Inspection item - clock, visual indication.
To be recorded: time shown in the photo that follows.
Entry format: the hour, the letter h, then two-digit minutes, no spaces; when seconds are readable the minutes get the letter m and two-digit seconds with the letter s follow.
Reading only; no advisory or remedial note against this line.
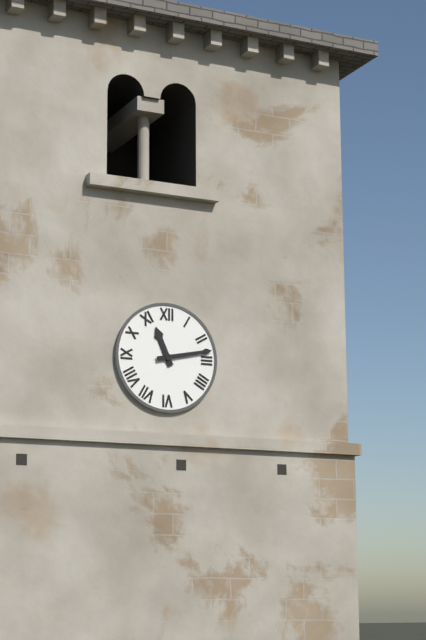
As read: 11h13
